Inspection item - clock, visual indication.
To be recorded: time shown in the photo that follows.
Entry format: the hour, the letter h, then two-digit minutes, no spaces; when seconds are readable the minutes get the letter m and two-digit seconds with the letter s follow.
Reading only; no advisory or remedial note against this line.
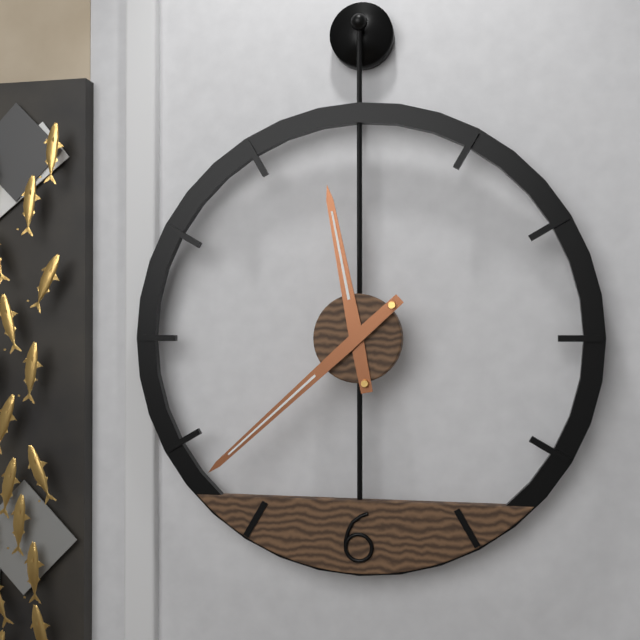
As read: 11h38
